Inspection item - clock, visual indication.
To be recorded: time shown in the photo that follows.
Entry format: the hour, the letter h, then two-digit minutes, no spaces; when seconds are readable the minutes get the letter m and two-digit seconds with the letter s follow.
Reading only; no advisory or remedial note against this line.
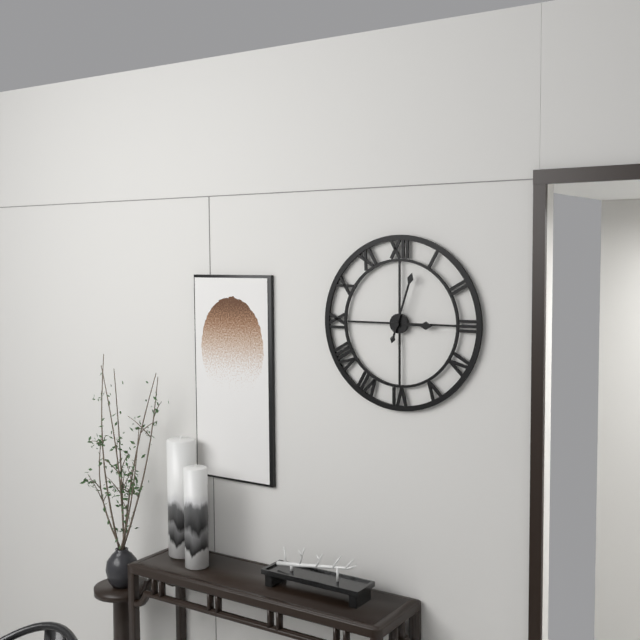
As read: 3h03
